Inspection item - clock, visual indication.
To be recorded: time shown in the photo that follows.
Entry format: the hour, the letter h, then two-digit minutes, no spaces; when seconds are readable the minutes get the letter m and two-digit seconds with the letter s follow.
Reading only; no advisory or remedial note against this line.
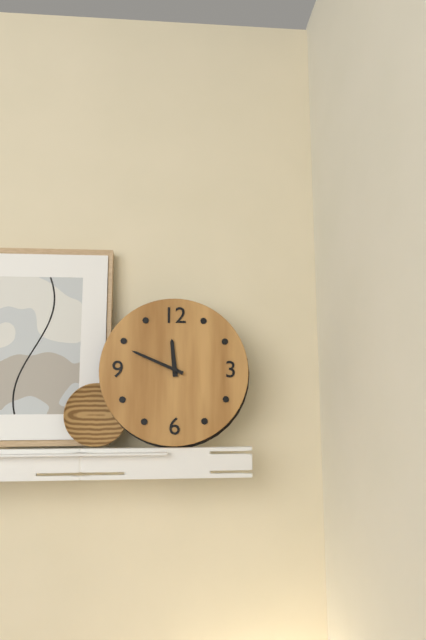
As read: 11h49
